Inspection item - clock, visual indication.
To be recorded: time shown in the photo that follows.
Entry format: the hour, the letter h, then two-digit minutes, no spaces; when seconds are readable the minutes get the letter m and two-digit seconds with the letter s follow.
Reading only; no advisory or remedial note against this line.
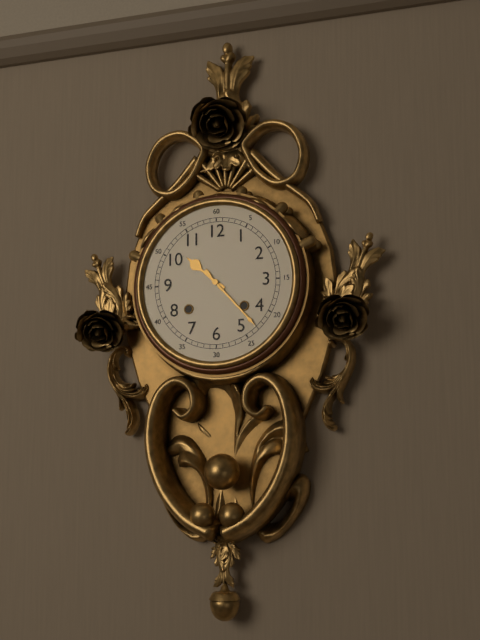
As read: 10h23
